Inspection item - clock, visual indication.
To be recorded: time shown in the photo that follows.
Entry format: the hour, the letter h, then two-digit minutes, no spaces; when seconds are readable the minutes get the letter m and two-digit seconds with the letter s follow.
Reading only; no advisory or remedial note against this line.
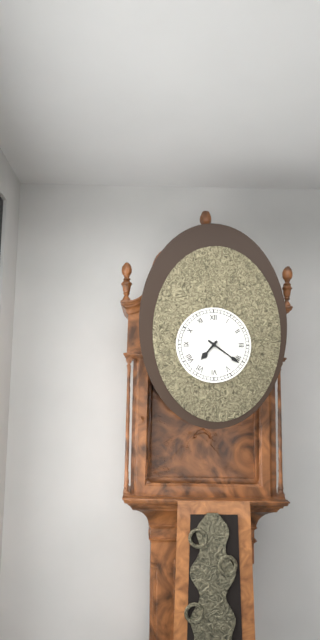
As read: 7h21
